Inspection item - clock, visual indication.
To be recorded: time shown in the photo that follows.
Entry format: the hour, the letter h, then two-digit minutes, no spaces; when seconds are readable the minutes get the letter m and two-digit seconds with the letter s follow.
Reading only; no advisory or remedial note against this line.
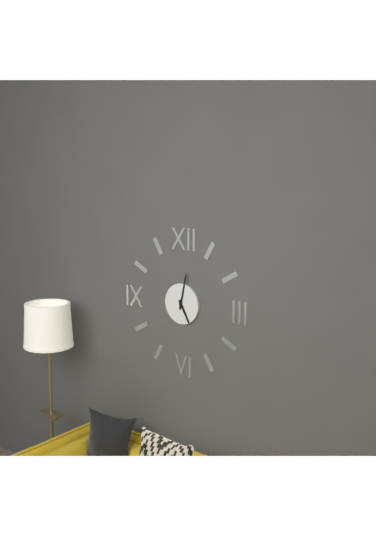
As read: 5h02
